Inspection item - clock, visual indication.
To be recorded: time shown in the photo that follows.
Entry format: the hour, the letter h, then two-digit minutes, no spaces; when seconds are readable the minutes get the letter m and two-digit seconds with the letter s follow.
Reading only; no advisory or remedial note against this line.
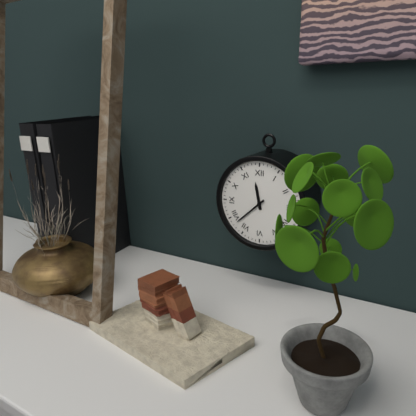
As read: 11h38
